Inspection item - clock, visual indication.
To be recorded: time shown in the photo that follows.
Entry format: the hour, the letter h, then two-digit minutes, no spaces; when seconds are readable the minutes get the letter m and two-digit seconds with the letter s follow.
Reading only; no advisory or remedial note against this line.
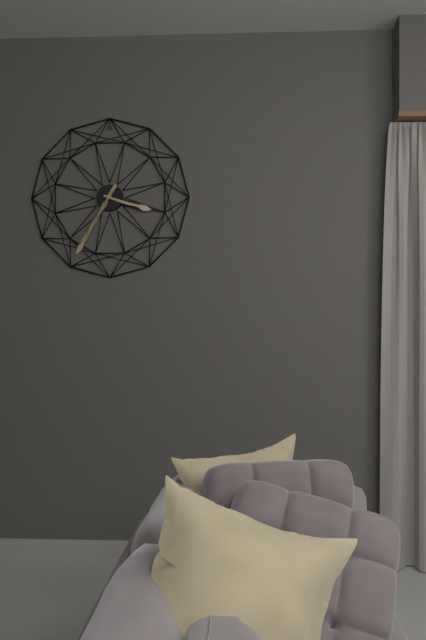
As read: 3h35
